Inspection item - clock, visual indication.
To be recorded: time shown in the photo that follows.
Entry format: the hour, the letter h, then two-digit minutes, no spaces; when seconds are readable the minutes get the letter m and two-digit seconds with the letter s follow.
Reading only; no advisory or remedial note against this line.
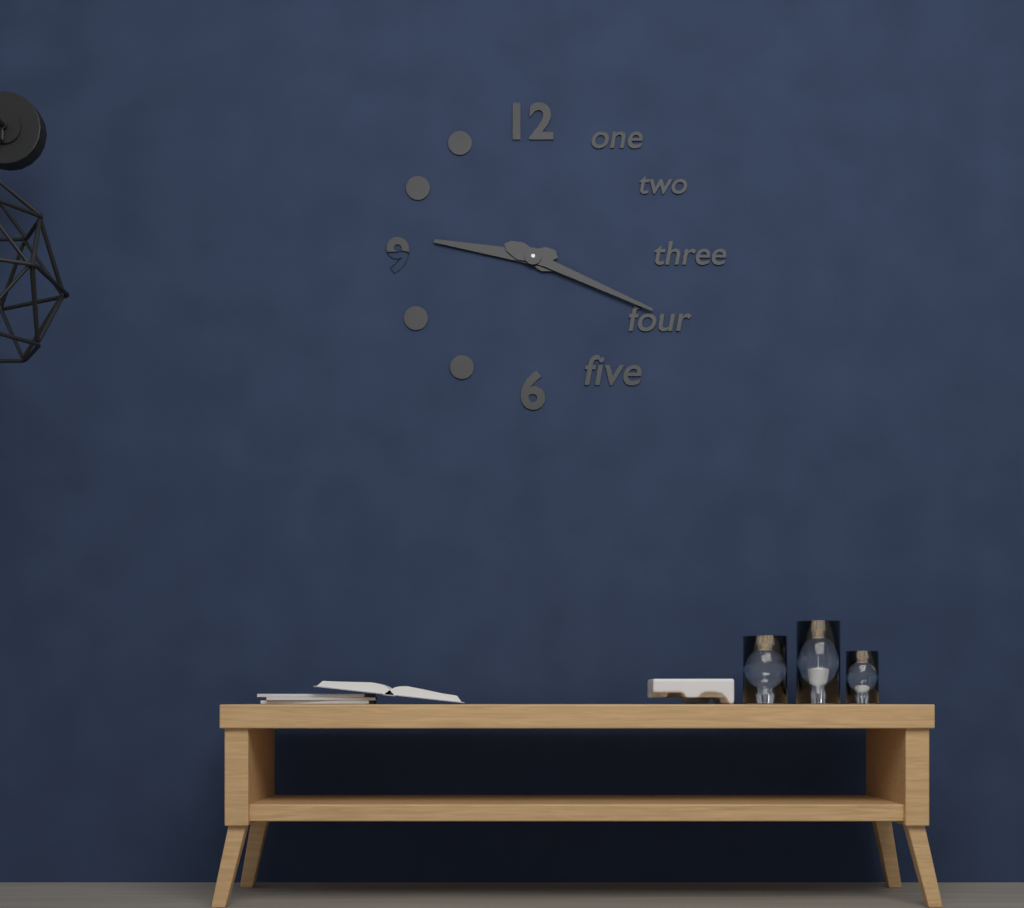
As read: 9h19
